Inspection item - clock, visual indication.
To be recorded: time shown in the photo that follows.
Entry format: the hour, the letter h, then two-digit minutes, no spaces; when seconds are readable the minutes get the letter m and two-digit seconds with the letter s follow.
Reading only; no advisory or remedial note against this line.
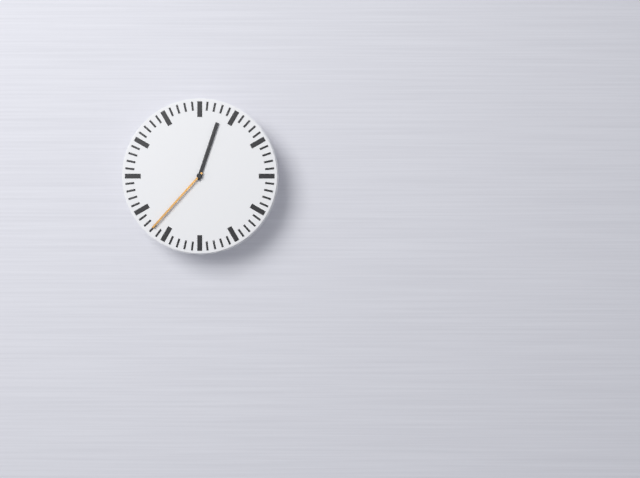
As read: 12h37
